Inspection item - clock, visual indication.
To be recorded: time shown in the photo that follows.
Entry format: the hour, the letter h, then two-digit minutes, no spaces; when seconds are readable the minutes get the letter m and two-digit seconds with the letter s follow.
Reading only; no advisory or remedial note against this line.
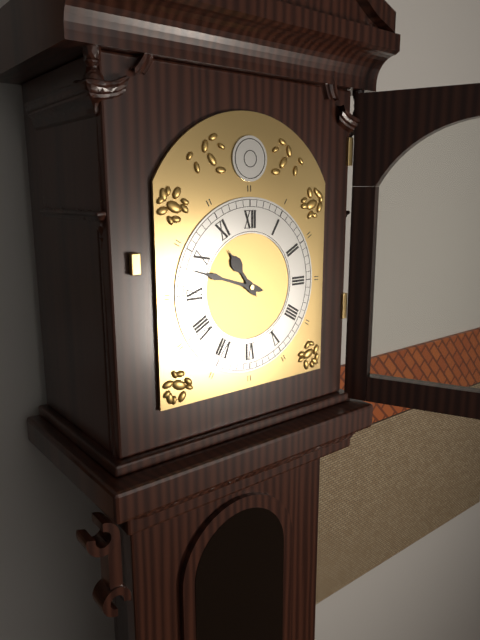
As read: 10h48
